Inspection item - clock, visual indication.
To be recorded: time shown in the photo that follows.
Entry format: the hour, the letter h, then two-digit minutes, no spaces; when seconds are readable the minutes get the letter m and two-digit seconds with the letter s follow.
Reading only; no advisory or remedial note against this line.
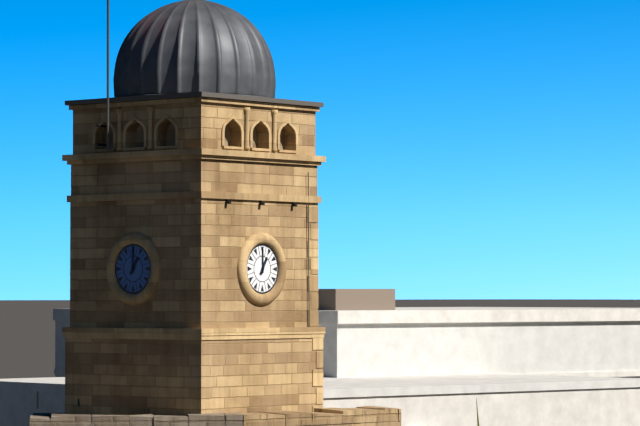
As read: 1h00
